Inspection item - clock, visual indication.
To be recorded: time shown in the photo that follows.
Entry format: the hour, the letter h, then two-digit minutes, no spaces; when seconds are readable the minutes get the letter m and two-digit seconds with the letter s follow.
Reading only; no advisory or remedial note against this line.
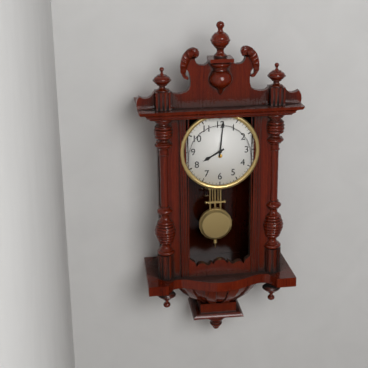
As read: 8h01
